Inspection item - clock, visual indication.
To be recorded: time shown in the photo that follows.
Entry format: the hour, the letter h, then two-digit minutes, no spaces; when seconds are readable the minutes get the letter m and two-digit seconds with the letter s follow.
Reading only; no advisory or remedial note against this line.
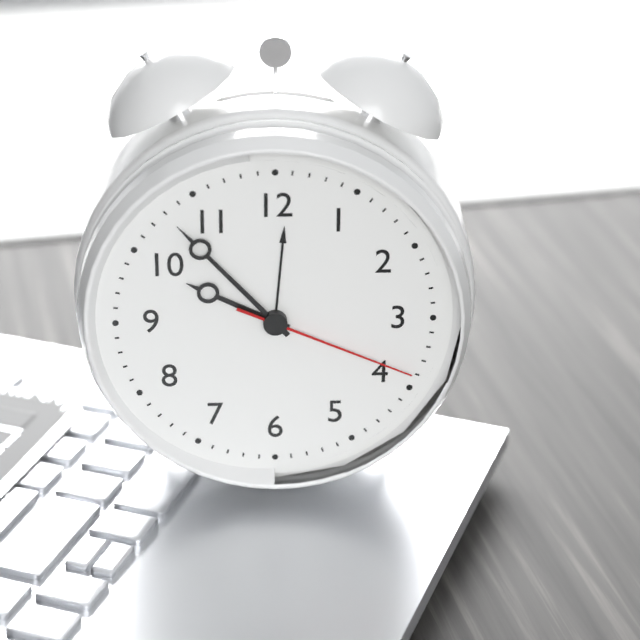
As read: 9h53m19s
